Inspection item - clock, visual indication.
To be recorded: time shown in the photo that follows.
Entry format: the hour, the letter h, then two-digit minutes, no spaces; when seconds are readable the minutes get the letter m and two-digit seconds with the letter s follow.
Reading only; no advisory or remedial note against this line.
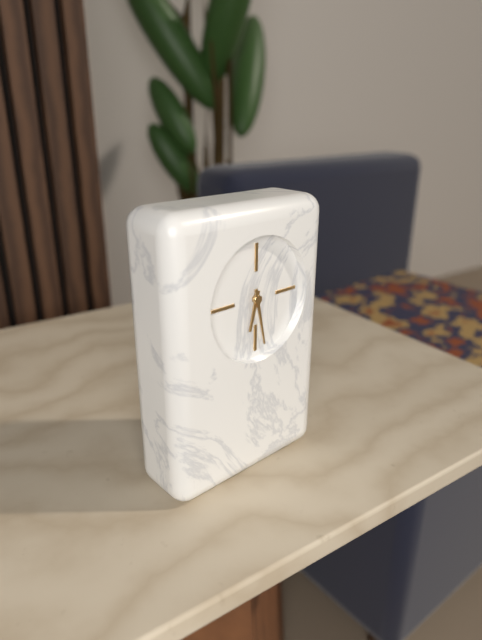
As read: 6h28
